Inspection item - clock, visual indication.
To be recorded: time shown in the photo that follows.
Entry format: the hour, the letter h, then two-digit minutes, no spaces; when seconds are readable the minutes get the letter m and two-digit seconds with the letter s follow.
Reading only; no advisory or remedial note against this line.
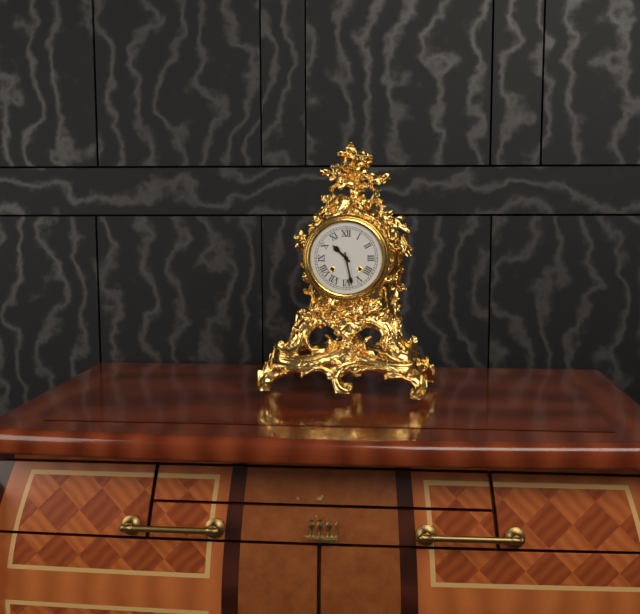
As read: 10h28
